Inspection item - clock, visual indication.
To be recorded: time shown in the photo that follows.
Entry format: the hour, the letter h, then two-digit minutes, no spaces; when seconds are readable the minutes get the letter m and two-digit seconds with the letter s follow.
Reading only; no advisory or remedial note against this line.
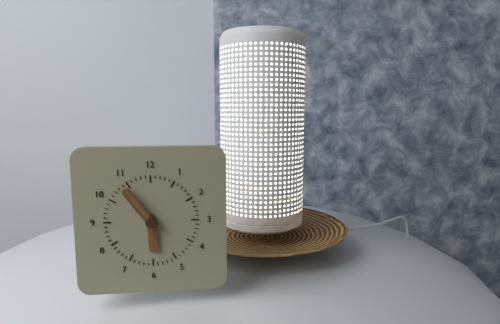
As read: 5h54
